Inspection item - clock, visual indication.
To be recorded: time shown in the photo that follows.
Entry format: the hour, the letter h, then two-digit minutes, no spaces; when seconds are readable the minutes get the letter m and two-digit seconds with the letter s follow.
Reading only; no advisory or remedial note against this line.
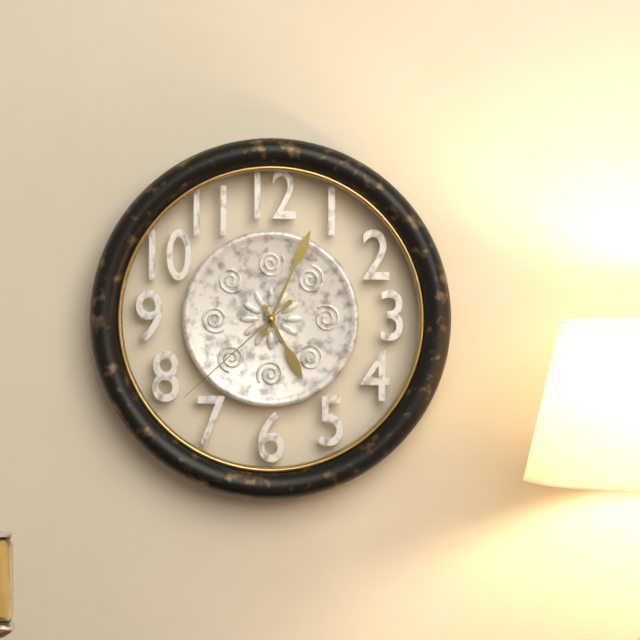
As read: 5h04m38s
